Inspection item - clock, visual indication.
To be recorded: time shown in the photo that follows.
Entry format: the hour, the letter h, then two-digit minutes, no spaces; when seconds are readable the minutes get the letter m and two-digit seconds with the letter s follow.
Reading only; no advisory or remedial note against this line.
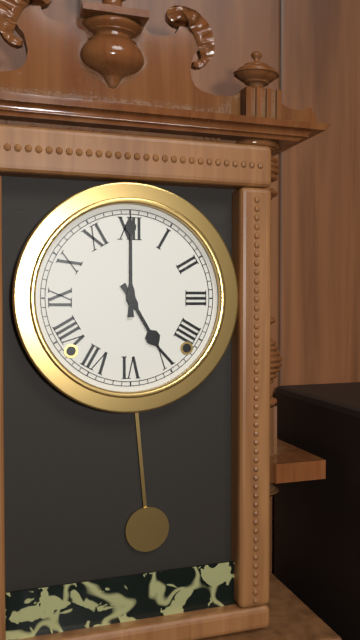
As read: 5h00
